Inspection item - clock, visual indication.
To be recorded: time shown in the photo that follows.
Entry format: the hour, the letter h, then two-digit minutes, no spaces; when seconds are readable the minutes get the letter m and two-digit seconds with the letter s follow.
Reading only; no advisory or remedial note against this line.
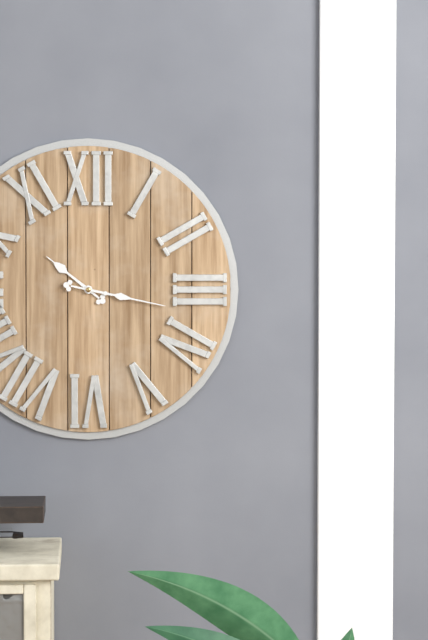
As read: 10h17
